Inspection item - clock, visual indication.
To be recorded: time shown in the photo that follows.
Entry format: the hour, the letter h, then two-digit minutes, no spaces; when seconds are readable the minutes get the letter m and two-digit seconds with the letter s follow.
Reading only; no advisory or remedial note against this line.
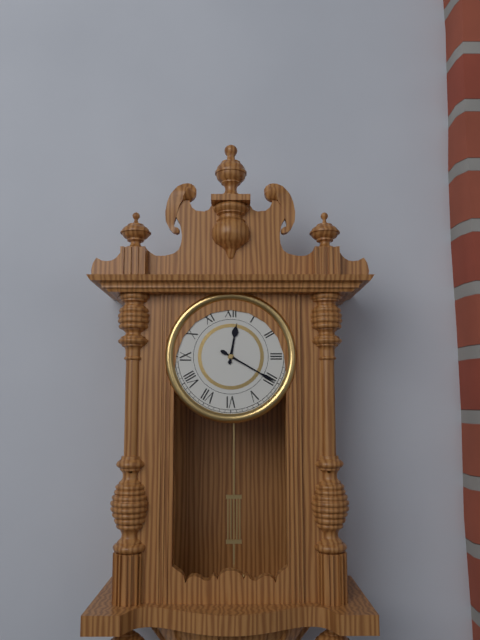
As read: 12h20
